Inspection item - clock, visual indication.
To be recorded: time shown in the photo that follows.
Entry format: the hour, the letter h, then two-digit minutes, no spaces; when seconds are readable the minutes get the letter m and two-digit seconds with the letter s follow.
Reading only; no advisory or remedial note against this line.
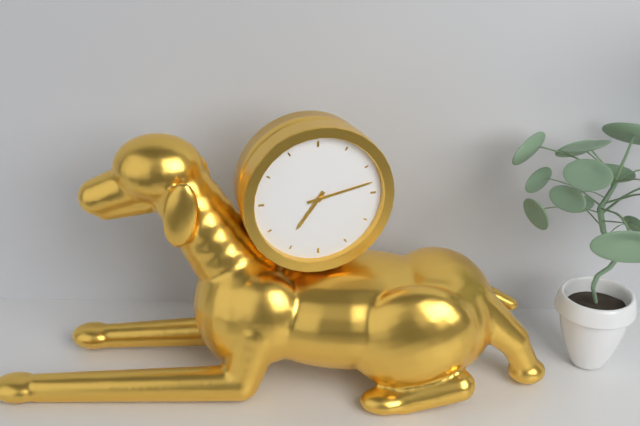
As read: 7h13
